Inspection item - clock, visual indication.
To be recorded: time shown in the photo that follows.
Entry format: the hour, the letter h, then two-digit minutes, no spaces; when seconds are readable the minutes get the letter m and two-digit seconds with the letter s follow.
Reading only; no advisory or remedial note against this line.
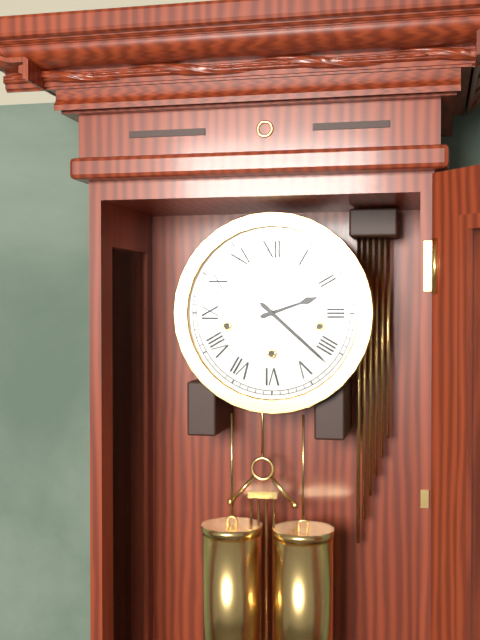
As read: 2h22
